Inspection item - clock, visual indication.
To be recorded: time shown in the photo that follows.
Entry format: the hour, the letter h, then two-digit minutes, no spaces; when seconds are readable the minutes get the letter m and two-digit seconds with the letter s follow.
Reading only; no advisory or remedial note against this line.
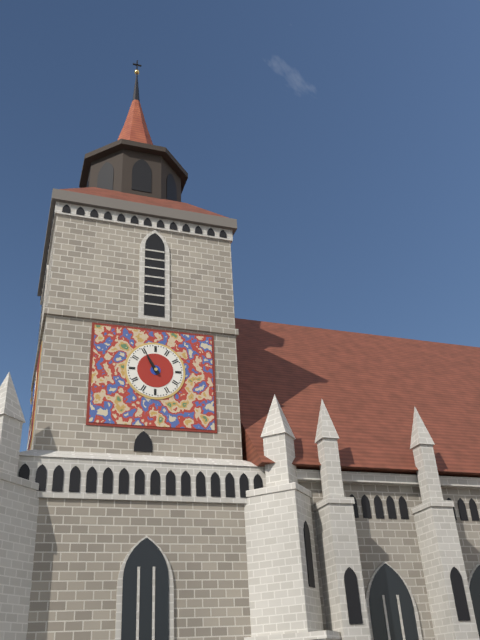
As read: 10h55
